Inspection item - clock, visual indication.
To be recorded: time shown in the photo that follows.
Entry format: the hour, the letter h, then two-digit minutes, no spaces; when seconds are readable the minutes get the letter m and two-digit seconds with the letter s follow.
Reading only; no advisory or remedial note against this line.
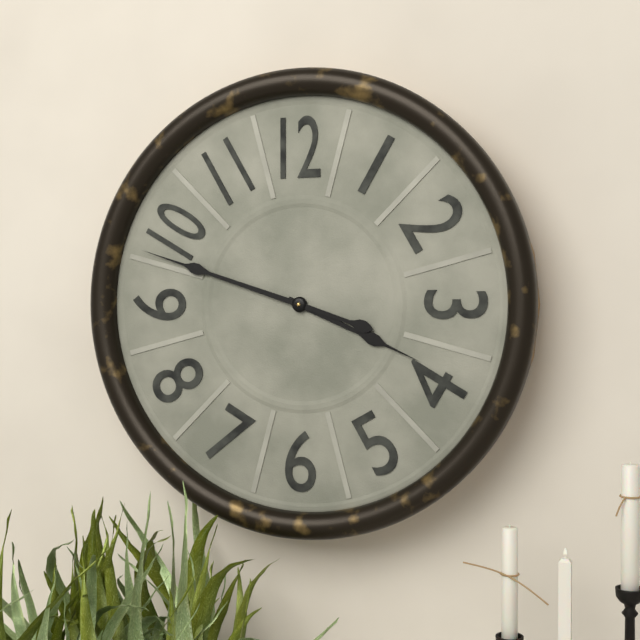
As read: 3h48
